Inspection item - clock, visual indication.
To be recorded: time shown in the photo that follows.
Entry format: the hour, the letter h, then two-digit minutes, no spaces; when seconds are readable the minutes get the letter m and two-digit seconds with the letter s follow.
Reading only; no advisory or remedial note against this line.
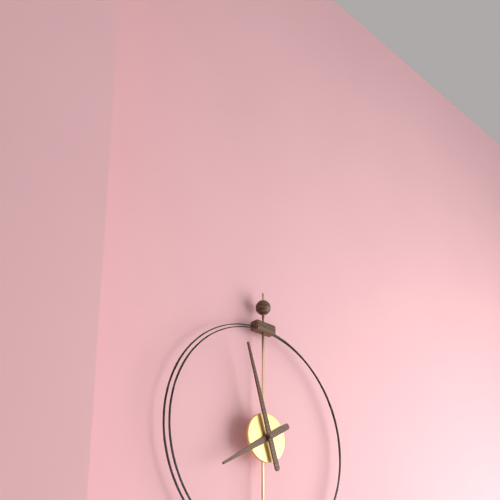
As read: 7h57
